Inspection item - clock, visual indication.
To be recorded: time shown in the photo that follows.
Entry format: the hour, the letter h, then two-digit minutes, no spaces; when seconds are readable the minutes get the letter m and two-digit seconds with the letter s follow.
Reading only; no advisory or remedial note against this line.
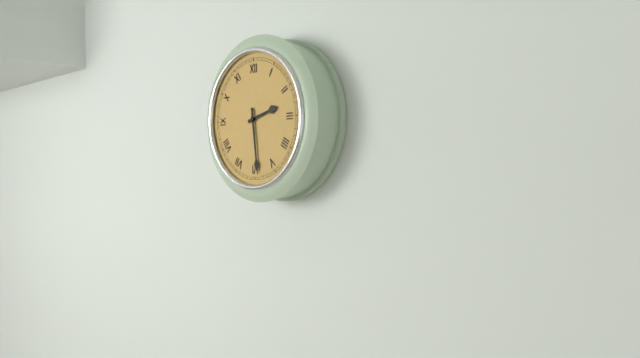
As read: 2h29
